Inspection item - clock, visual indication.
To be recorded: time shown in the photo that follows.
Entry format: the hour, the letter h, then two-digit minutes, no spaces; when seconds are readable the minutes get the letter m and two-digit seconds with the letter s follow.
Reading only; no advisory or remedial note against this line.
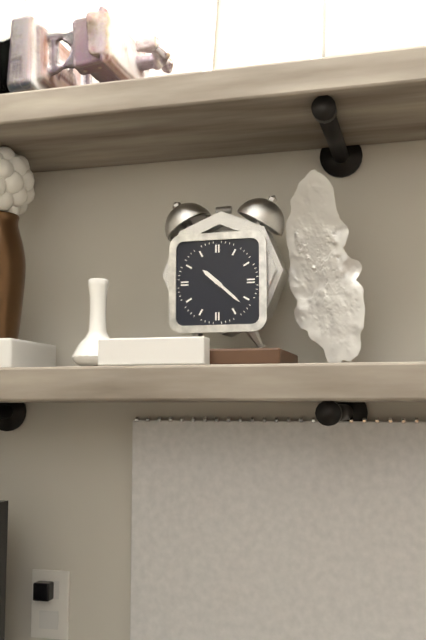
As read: 10h22
